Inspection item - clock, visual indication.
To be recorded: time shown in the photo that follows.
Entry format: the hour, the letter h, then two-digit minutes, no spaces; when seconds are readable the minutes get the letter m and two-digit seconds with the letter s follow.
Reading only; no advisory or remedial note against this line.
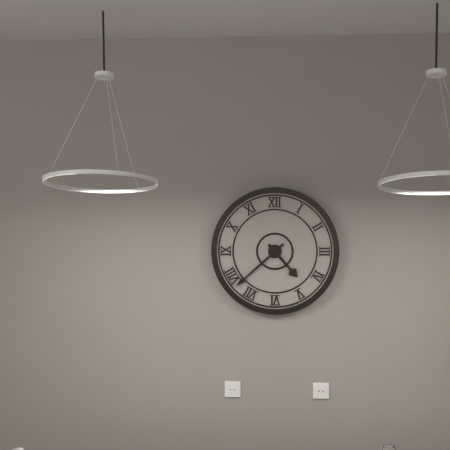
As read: 4h38
